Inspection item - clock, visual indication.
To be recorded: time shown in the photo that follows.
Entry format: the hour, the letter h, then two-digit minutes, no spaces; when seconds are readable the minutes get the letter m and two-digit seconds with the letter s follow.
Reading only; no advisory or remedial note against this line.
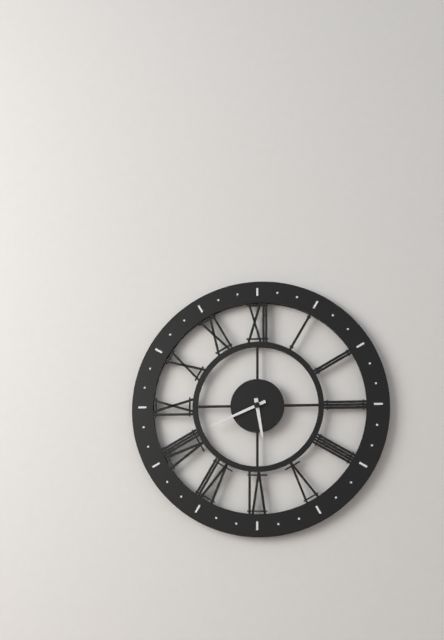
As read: 5h41
